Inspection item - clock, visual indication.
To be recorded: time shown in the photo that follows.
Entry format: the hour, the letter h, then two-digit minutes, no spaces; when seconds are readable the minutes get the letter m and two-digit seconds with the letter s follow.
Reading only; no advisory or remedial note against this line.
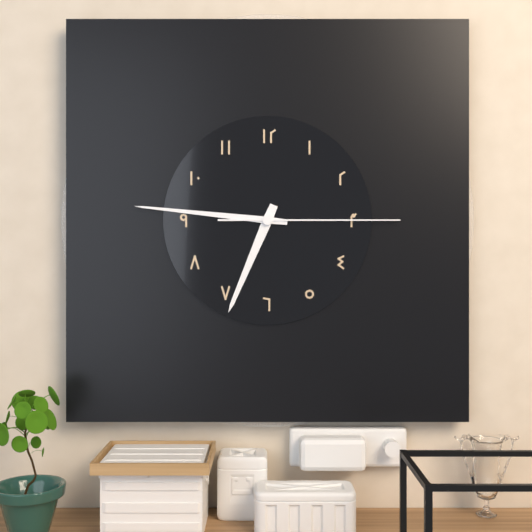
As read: 6h46m15s
